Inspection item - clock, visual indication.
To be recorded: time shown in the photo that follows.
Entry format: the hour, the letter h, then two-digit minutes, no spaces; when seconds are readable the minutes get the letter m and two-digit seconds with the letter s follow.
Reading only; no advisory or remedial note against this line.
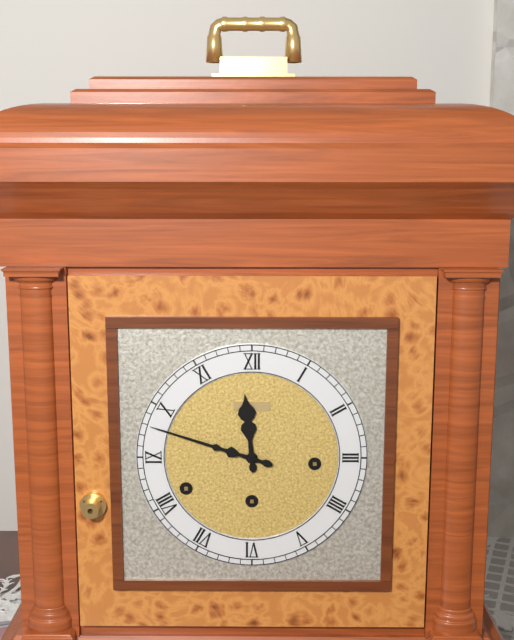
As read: 11h48
